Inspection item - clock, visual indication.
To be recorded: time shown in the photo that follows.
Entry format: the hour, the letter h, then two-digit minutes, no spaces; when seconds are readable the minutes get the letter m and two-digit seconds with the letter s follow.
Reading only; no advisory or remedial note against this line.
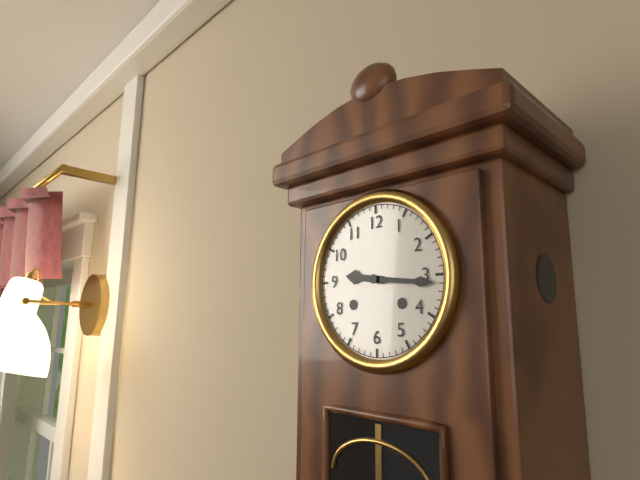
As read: 9h16
